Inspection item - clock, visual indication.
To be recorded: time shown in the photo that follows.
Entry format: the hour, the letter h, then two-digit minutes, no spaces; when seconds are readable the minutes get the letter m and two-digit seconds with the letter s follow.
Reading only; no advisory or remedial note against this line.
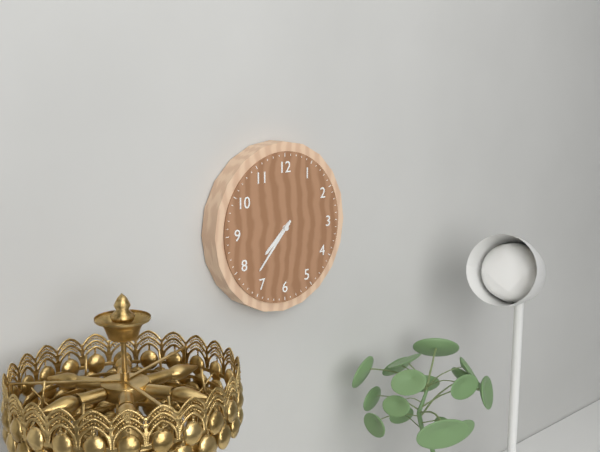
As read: 7h37
